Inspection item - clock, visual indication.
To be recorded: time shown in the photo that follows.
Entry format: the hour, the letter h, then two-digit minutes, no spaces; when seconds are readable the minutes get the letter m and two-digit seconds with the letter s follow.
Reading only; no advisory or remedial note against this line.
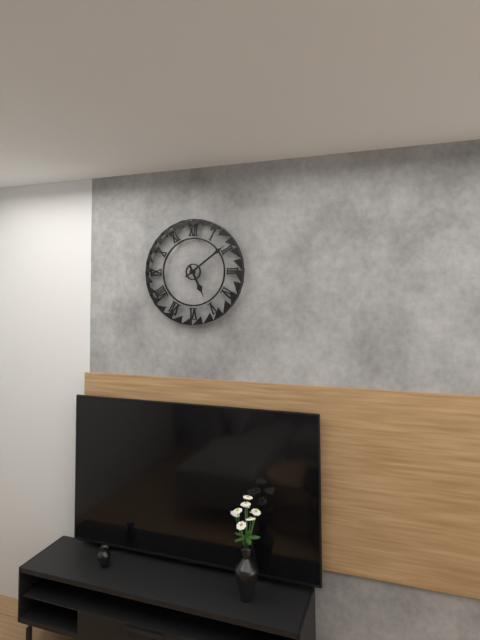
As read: 5h09
